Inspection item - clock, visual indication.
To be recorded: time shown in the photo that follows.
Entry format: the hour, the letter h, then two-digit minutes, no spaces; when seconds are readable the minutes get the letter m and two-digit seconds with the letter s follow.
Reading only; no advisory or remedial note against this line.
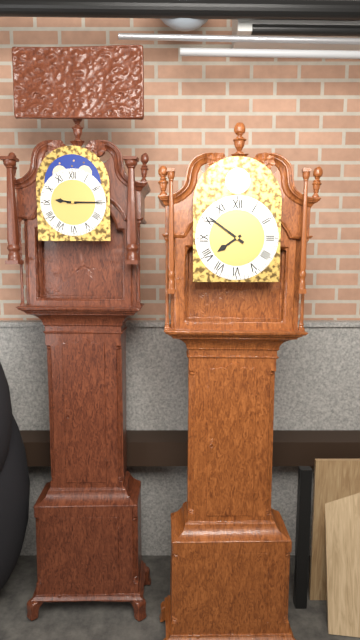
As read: 7h51
